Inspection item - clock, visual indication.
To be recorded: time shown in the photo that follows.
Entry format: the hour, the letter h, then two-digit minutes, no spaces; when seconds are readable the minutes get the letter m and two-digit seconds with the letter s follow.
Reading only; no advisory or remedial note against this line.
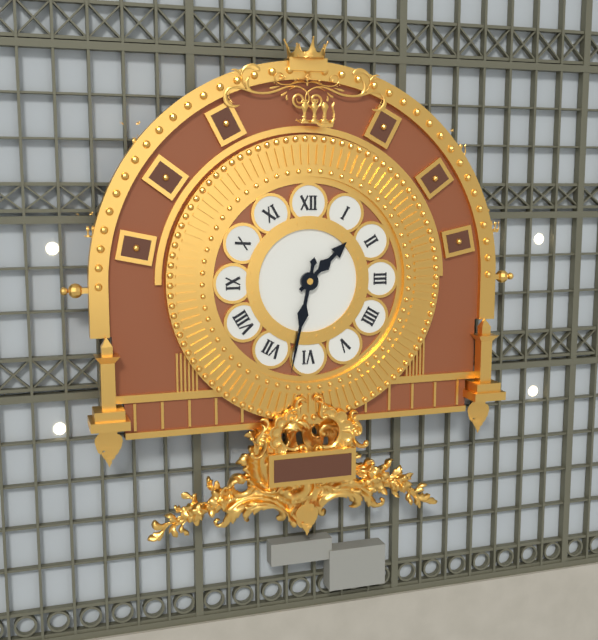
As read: 1h32
